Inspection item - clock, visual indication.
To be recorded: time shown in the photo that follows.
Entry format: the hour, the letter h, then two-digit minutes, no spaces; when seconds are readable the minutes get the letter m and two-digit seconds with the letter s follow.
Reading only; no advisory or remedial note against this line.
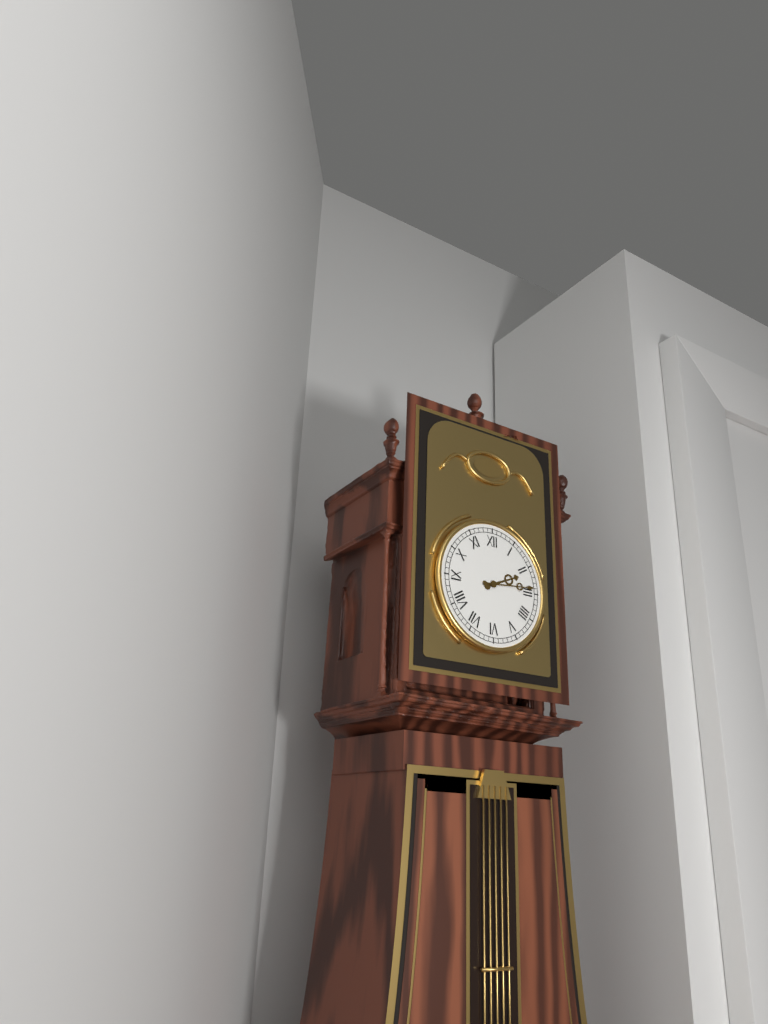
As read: 2h14
